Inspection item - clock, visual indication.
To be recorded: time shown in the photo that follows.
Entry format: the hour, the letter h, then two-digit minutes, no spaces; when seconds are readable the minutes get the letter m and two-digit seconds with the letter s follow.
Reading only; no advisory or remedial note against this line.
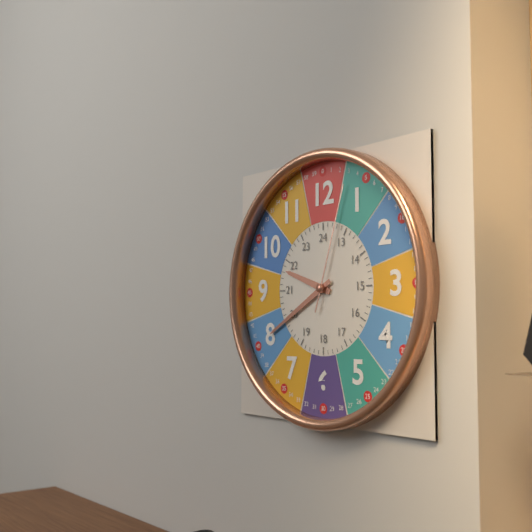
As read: 9h40m03s
